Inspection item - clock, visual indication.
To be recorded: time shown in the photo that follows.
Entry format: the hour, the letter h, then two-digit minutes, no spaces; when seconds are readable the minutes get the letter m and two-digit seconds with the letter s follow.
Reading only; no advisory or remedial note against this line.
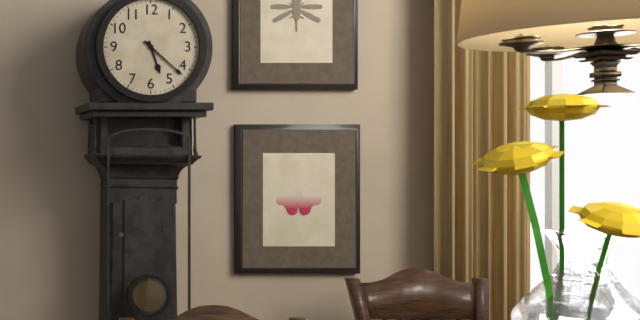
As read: 5h22
